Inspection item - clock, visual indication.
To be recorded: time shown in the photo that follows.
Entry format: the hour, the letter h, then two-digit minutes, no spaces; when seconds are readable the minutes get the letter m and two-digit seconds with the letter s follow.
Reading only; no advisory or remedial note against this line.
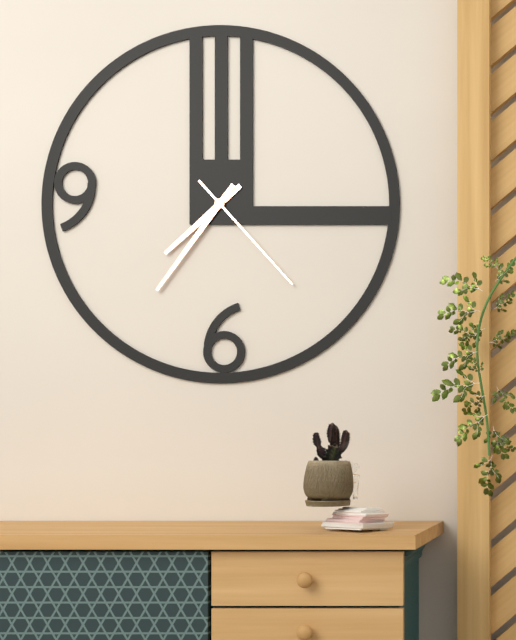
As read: 7h36m23s
